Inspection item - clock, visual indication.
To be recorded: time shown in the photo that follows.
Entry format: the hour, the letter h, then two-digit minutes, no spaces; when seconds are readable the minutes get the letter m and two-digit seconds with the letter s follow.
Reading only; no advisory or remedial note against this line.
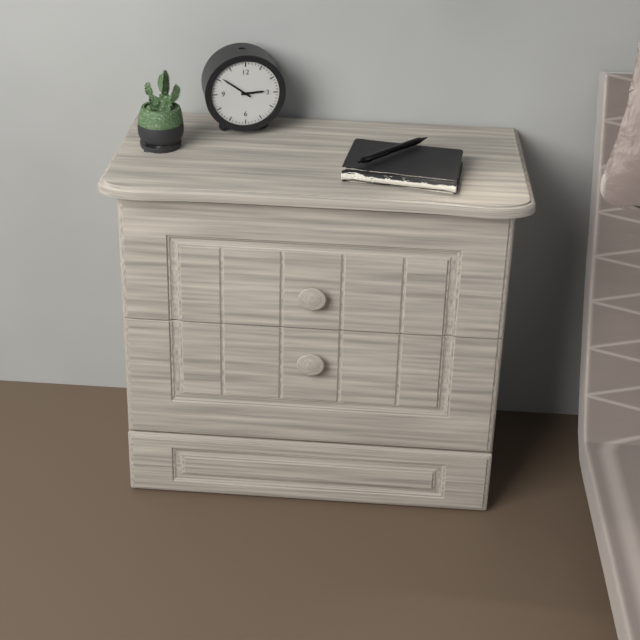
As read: 2h51
